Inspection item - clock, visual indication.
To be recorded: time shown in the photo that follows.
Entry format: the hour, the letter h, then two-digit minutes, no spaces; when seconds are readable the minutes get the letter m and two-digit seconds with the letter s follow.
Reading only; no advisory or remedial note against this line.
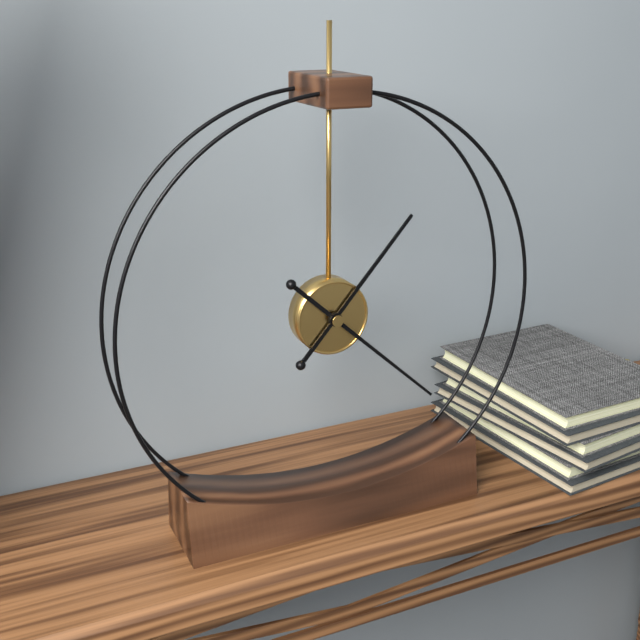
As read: 1h22
